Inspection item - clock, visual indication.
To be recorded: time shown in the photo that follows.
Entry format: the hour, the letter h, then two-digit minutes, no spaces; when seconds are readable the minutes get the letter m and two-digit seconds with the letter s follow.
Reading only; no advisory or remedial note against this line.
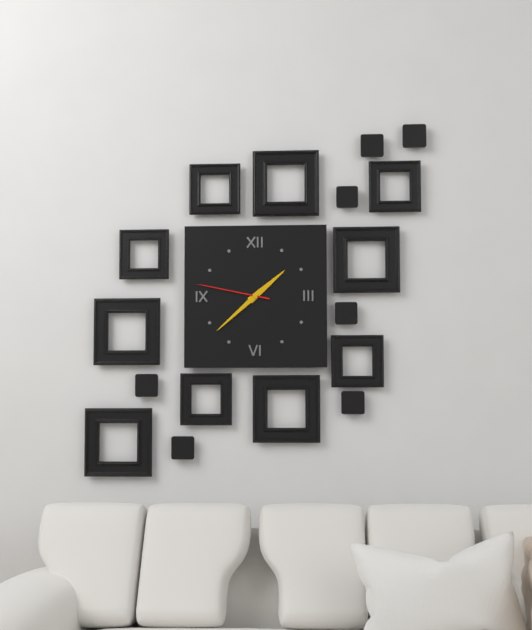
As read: 1h38m47s
